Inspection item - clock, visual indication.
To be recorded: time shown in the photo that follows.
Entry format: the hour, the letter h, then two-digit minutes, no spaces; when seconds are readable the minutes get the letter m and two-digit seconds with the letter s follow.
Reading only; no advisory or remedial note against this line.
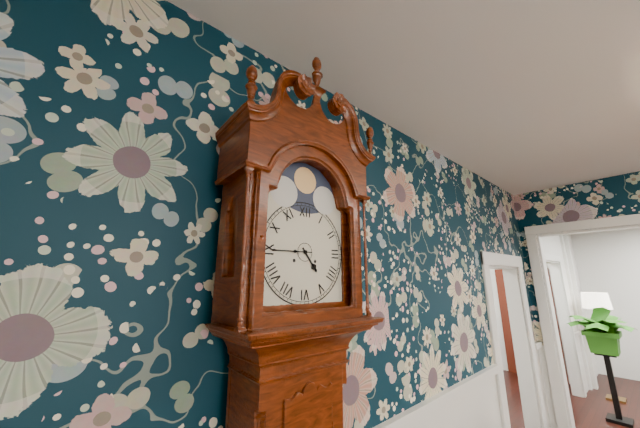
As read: 4h45
